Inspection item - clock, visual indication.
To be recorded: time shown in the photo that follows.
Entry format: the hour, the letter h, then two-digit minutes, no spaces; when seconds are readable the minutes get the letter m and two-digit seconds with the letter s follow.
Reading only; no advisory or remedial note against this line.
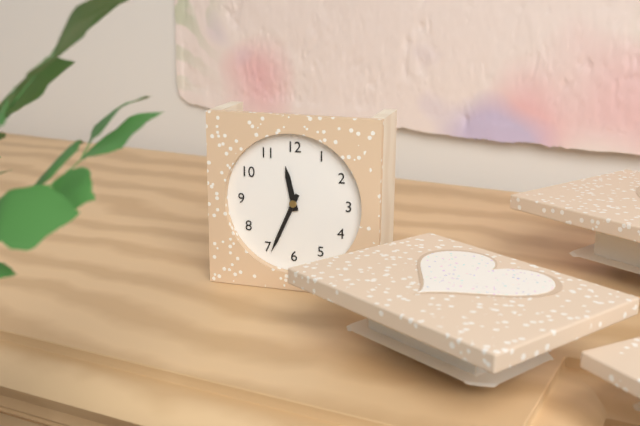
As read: 11h34
